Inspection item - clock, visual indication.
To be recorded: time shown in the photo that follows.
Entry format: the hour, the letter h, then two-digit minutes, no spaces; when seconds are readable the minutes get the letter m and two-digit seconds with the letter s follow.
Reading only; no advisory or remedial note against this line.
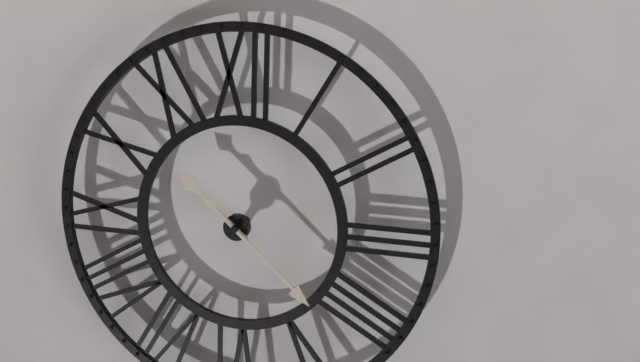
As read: 10h22
